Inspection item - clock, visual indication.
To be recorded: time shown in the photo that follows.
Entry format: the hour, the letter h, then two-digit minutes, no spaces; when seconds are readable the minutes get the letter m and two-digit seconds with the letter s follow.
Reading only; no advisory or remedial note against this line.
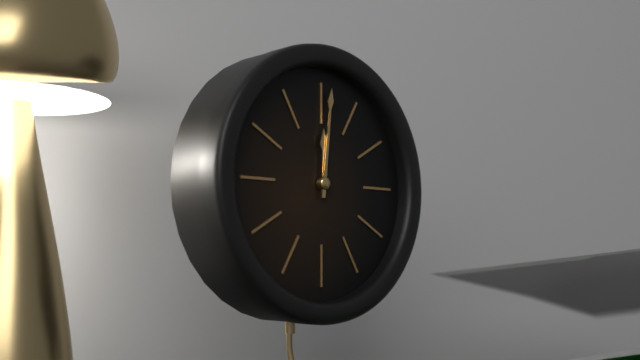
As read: 12h01
